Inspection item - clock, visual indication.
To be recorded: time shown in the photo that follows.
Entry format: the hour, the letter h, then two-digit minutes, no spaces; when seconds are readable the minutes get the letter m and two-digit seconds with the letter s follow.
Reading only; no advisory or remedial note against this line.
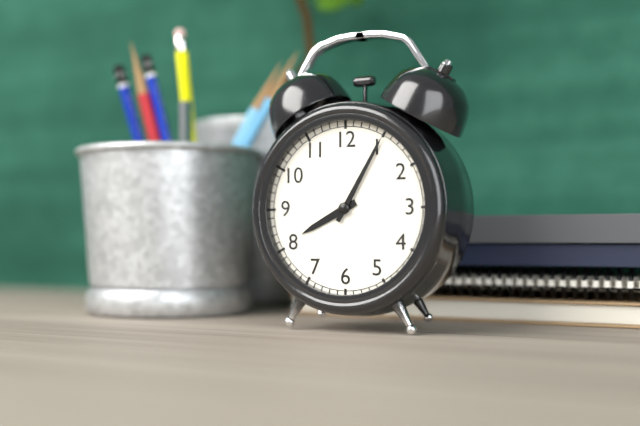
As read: 8h05
